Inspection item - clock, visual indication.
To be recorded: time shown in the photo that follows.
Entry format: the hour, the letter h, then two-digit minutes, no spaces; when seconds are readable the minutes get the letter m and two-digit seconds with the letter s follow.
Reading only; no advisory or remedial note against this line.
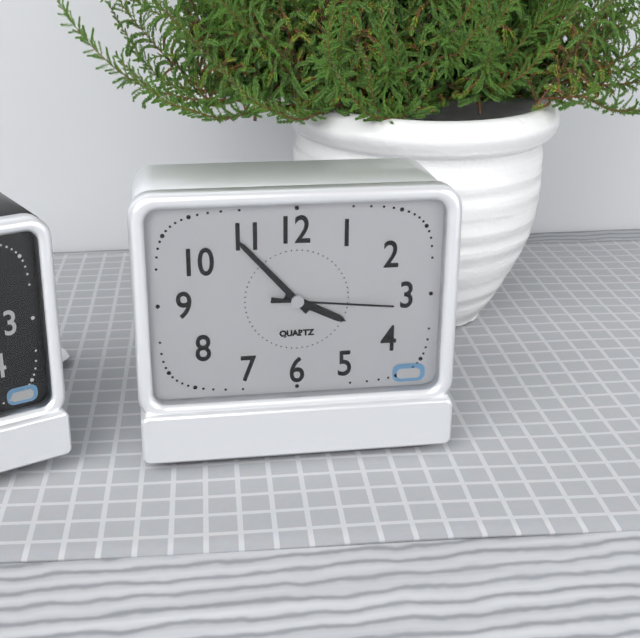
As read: 3h53m16s
